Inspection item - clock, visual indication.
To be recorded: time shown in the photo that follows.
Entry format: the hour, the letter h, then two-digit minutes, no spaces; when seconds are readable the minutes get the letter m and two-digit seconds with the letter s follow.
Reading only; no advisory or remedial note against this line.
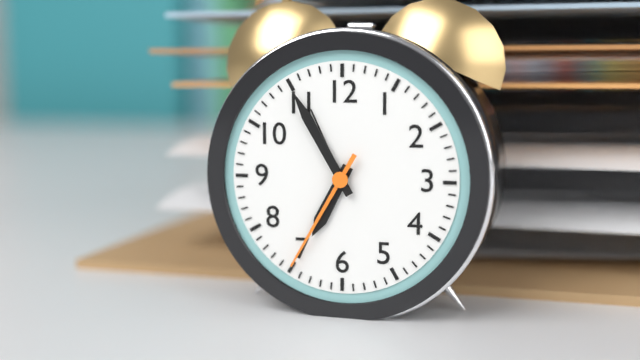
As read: 6h55m35s
